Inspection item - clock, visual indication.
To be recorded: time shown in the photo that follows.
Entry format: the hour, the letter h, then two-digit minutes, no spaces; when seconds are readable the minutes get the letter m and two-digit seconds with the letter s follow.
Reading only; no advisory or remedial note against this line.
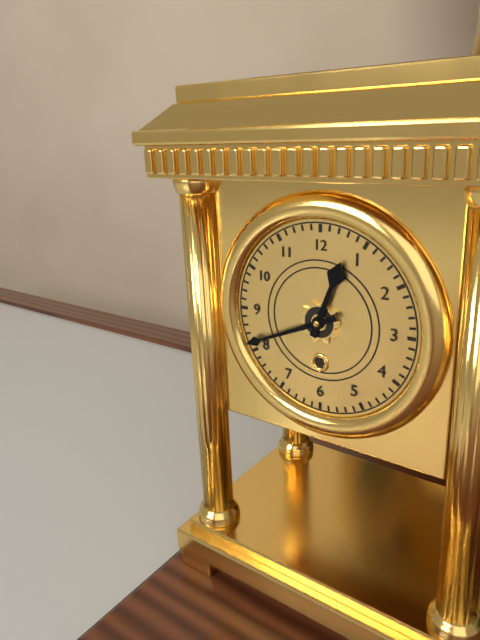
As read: 12h41
